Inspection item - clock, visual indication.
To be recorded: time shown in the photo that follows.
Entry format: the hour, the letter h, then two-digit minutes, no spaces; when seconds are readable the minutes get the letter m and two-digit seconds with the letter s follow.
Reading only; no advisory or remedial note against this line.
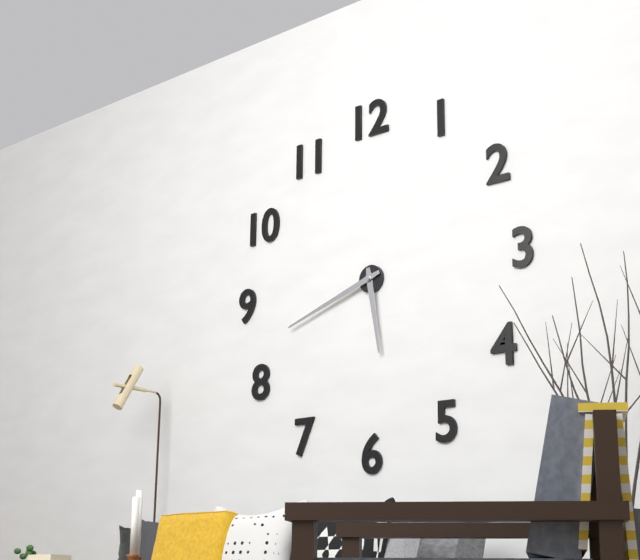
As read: 5h42
